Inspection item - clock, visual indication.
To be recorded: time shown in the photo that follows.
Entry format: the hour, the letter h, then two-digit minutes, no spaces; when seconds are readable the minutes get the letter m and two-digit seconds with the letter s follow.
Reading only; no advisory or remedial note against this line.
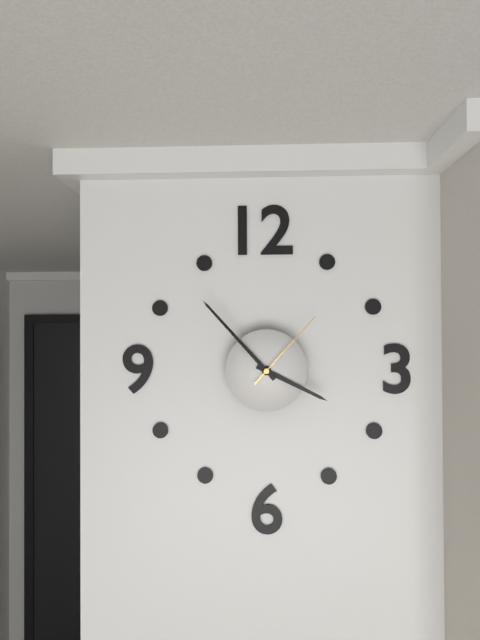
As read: 3h53m07s
